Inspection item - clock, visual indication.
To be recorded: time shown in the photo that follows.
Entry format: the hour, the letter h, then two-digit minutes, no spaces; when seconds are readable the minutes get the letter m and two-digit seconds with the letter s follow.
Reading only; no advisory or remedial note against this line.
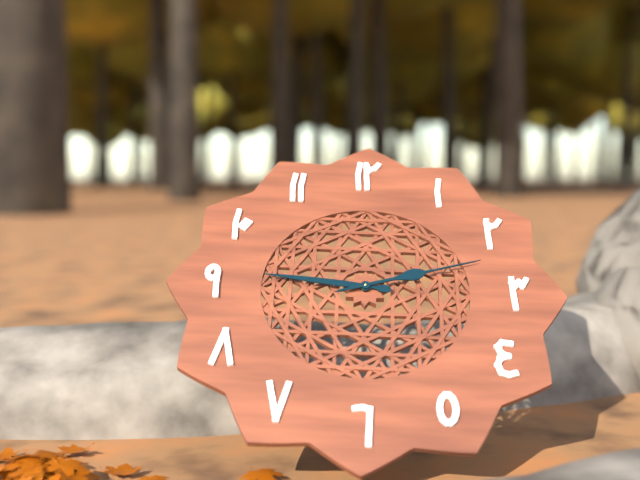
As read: 9h12
